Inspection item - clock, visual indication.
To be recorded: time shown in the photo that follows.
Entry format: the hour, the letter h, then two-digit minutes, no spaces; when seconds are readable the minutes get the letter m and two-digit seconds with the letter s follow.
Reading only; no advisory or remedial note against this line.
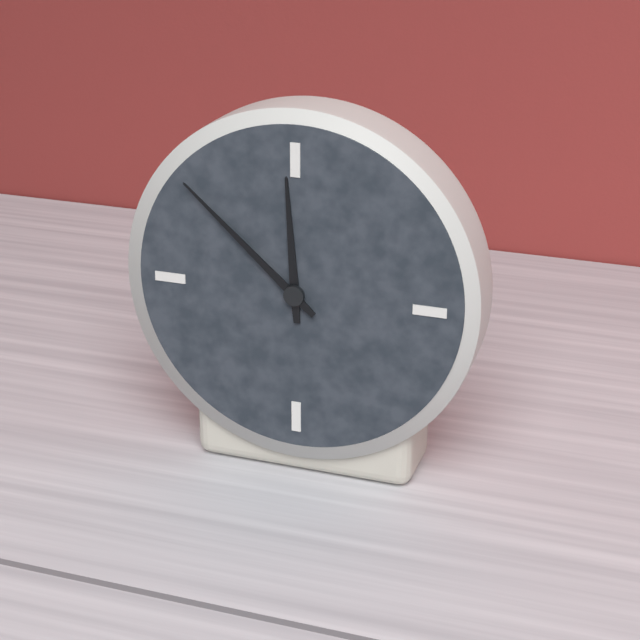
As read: 11h52
